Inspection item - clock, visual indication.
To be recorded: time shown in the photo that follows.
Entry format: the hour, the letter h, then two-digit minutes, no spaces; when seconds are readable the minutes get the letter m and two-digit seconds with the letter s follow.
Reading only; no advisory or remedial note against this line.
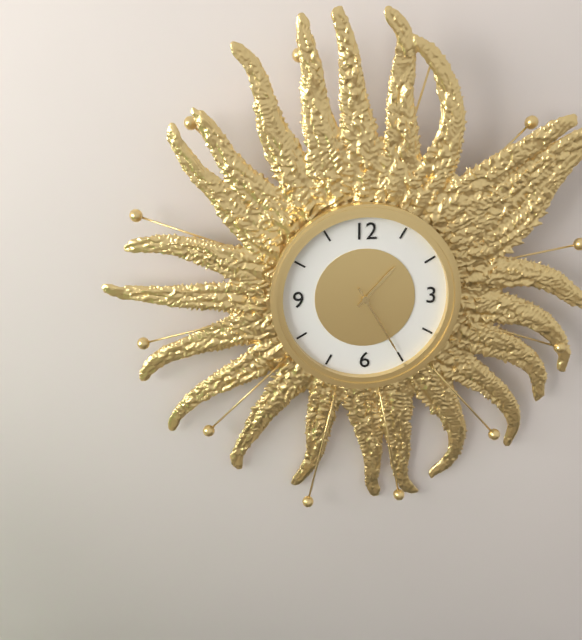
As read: 1h25
